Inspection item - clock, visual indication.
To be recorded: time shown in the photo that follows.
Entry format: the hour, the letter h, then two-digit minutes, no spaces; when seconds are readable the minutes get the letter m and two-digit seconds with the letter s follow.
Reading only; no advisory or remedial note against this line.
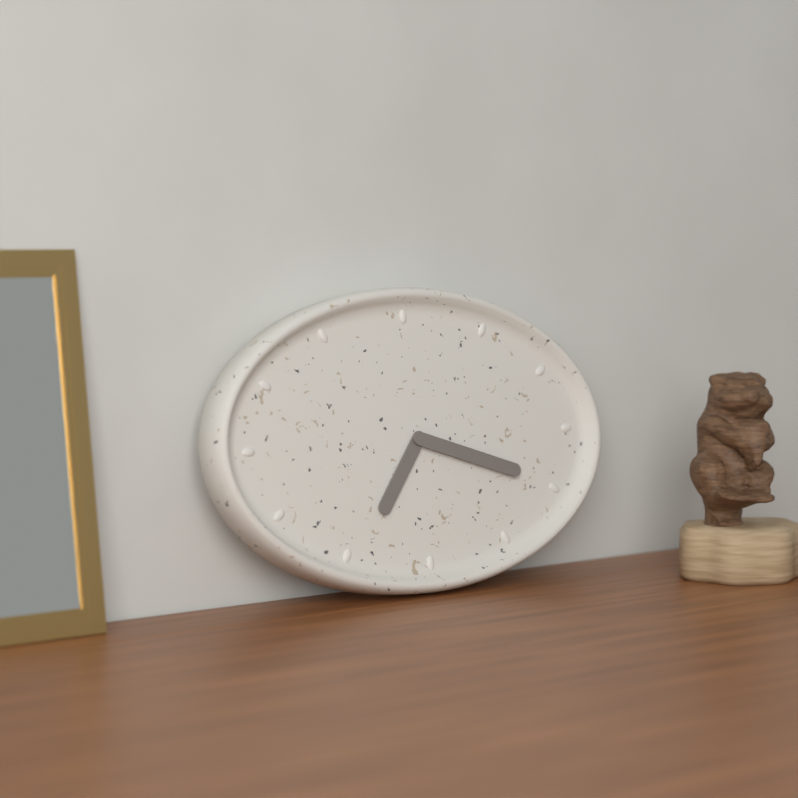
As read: 7h18
